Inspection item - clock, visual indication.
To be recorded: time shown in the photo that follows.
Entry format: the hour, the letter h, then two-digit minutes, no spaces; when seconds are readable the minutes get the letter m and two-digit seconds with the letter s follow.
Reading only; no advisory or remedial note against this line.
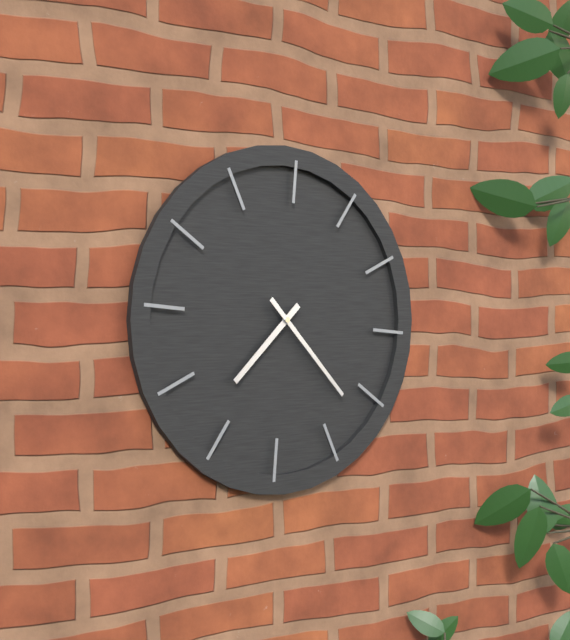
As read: 7h22
